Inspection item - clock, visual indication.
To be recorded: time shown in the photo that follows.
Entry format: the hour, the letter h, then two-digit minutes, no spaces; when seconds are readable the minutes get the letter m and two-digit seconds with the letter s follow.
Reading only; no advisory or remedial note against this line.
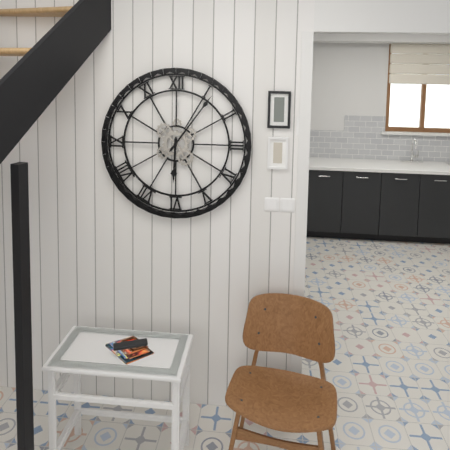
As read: 6h06
